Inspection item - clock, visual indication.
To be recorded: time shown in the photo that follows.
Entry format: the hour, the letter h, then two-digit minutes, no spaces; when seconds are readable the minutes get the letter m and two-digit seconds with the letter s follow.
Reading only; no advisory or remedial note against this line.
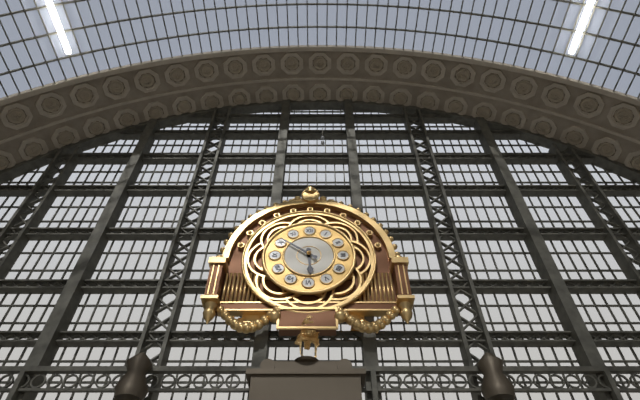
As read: 5h51
